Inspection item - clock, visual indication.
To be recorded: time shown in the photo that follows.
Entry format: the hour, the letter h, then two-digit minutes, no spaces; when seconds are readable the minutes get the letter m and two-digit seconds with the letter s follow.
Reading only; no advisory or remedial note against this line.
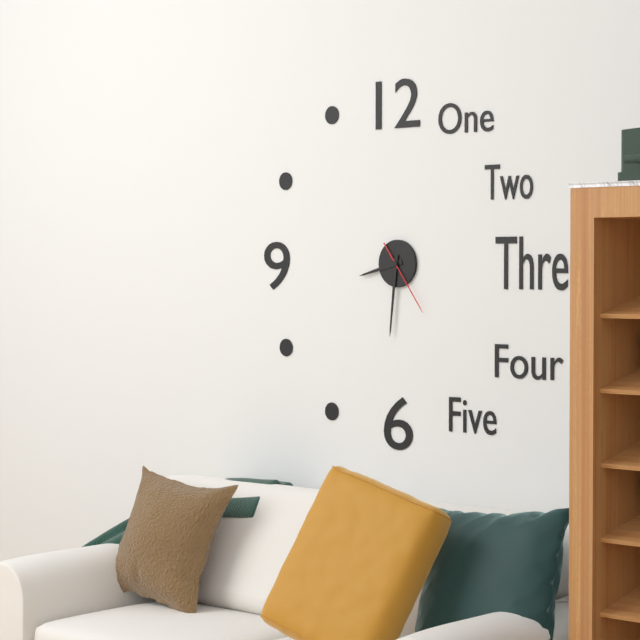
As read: 8h31m24s
